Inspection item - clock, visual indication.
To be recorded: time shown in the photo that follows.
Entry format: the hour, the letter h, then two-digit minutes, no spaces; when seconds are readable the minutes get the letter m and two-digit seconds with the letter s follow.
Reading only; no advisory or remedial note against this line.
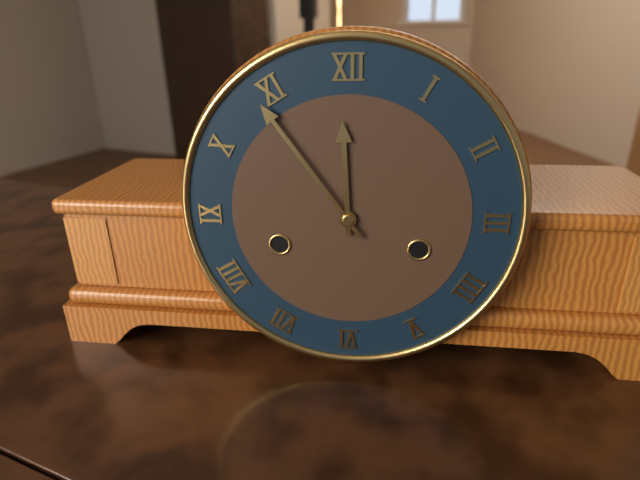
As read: 11h54
